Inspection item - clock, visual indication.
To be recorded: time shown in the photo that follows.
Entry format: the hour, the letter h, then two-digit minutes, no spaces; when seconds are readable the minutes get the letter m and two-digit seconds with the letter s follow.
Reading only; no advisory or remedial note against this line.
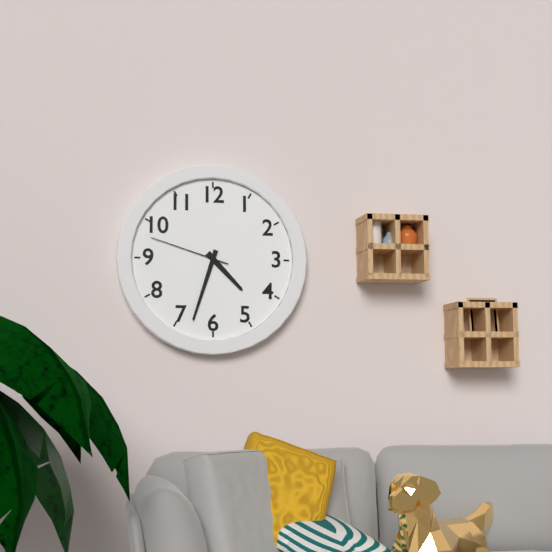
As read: 4h33m48s
